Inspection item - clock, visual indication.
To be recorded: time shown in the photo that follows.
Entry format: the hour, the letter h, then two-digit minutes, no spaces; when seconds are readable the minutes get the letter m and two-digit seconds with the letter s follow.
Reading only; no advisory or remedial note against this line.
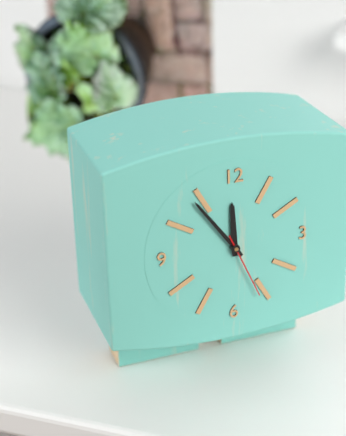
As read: 11h54m26s
